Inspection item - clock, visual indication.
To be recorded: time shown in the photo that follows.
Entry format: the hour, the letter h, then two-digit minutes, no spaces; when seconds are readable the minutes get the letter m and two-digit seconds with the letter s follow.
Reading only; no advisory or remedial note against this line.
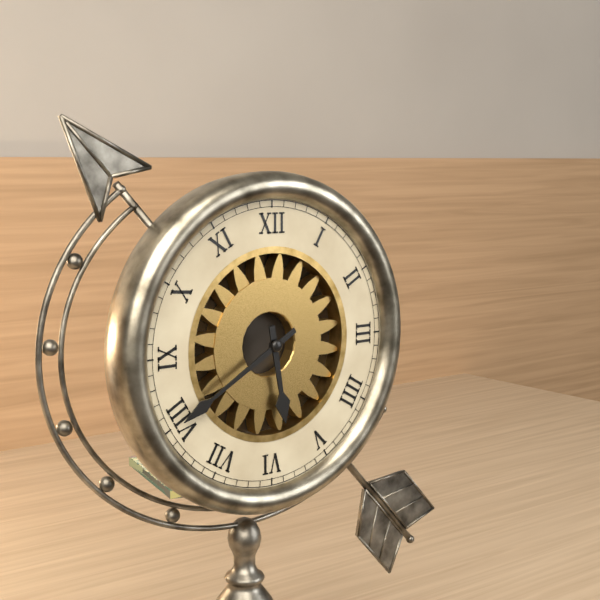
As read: 5h40
